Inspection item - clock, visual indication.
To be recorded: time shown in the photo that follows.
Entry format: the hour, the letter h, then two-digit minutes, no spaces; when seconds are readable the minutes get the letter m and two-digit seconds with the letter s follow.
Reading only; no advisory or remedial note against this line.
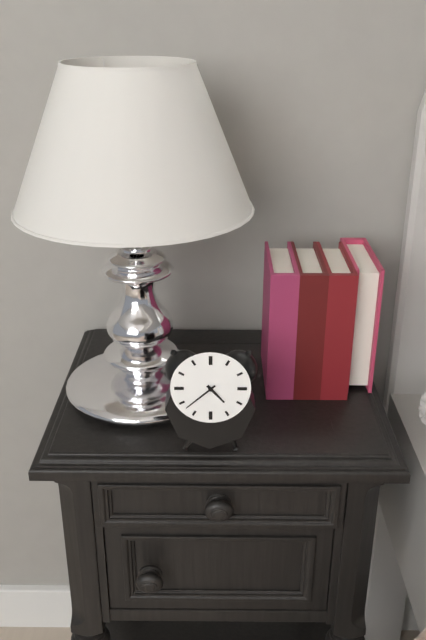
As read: 4h38
